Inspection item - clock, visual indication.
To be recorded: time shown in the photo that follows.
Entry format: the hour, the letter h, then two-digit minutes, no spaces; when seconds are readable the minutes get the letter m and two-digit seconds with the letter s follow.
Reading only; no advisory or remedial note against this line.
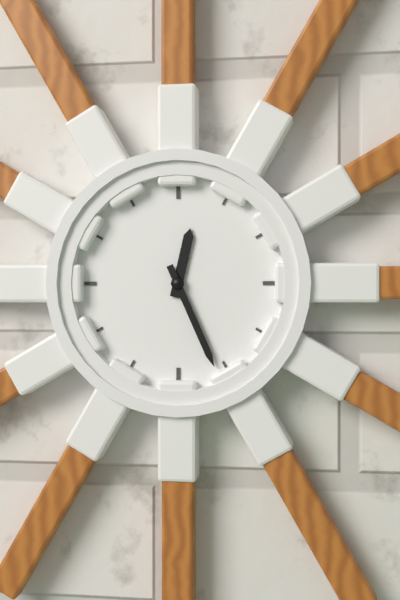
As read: 12h26
